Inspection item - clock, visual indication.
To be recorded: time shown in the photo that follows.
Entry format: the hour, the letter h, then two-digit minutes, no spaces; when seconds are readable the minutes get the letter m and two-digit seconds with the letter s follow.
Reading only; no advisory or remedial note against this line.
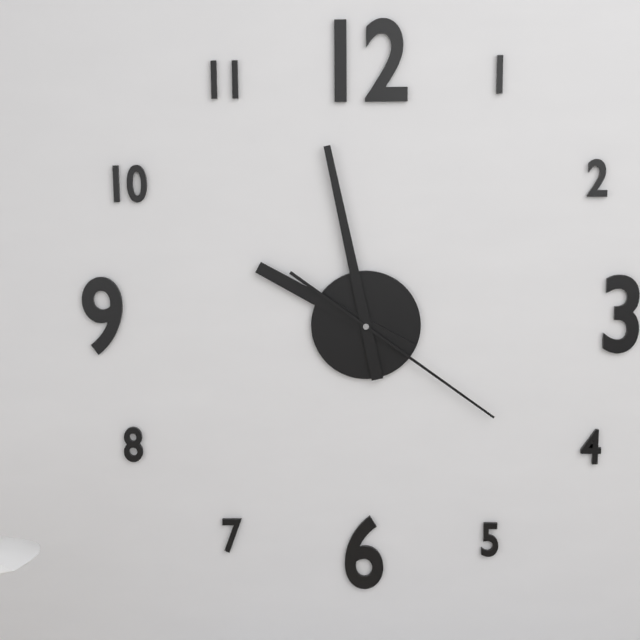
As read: 9h58m21s
